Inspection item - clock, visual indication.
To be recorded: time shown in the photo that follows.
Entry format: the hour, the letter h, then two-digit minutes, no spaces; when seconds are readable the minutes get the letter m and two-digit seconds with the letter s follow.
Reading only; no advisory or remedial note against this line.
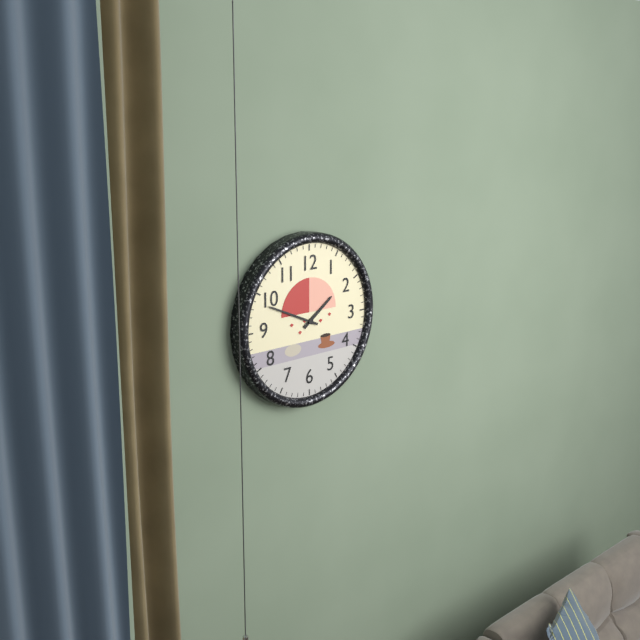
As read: 1h49
